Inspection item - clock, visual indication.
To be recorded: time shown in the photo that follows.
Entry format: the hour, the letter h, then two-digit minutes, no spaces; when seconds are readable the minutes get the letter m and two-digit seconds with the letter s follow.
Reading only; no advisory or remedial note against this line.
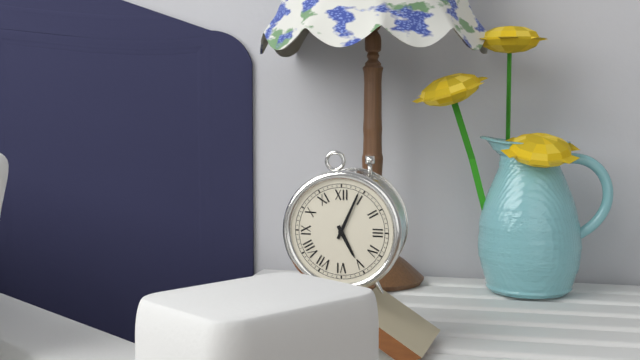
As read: 5h04
